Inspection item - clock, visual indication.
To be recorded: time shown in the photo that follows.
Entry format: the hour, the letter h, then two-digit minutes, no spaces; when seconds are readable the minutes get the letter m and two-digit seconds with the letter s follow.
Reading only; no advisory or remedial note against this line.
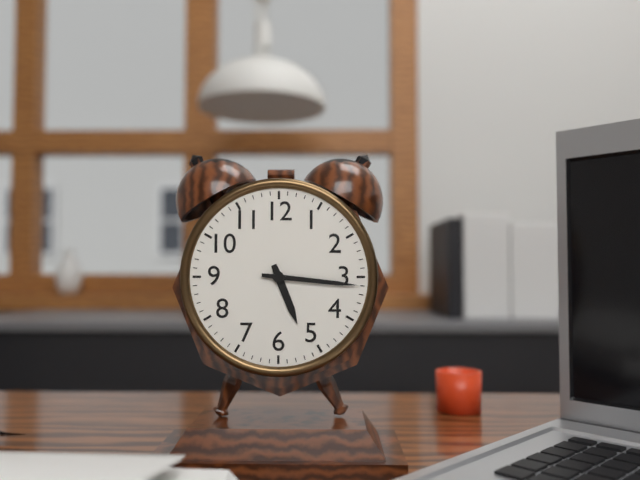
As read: 5h16
